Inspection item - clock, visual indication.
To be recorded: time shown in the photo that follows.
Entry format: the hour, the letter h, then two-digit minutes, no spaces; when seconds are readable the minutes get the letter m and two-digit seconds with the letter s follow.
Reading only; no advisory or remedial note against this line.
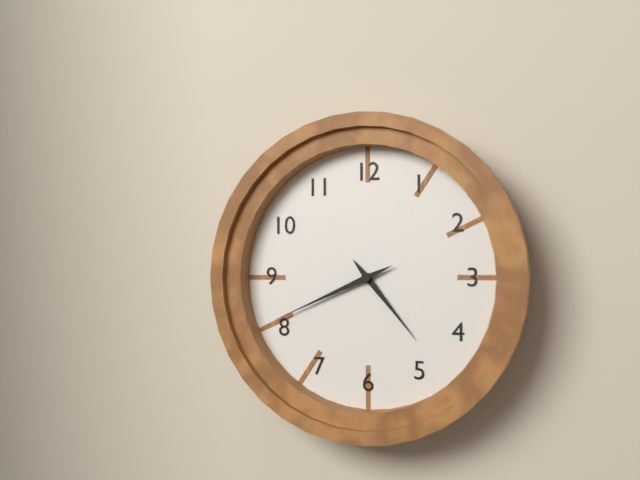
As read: 4h41
